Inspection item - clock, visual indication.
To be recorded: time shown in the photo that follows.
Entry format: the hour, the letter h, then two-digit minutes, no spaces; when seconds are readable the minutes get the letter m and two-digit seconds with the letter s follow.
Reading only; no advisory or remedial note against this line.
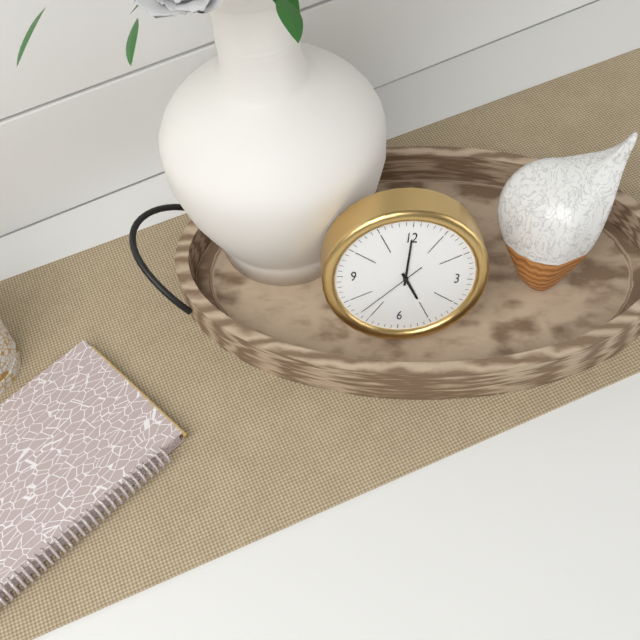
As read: 5h00m37s
